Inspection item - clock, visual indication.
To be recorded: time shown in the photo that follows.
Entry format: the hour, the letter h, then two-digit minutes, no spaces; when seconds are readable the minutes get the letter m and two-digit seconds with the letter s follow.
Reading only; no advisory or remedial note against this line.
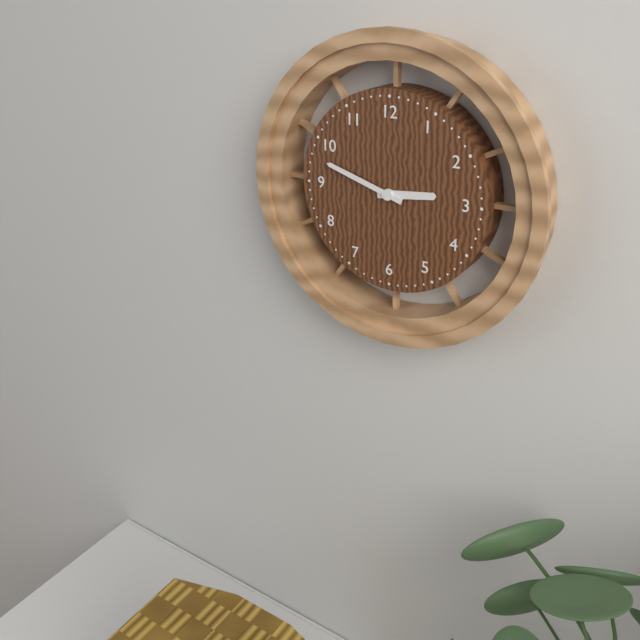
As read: 2h48
